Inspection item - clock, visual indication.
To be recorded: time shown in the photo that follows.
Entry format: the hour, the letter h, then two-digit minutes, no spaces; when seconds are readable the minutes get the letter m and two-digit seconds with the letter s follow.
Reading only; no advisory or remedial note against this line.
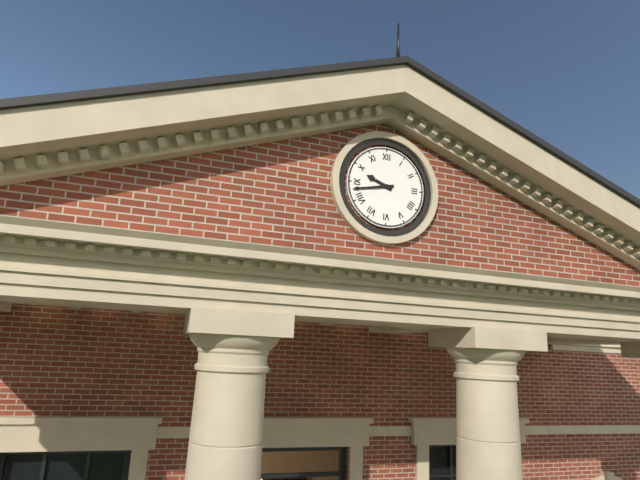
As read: 9h43
